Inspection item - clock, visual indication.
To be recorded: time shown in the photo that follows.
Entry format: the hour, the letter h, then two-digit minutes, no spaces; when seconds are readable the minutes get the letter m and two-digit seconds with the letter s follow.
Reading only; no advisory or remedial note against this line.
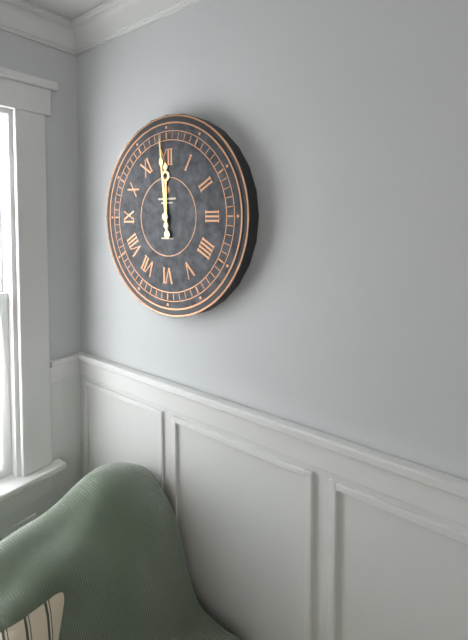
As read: 11h59
